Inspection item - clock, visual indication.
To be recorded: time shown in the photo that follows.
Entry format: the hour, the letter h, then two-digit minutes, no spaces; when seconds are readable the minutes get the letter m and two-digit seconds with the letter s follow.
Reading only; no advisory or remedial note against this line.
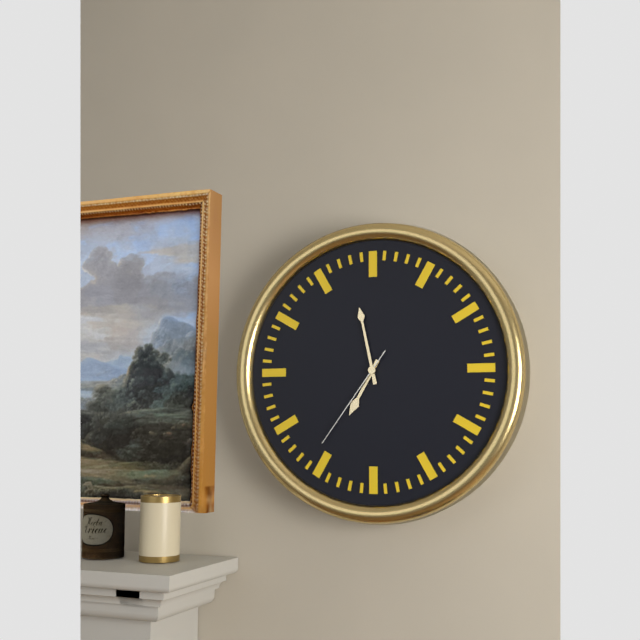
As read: 6h58m36s
